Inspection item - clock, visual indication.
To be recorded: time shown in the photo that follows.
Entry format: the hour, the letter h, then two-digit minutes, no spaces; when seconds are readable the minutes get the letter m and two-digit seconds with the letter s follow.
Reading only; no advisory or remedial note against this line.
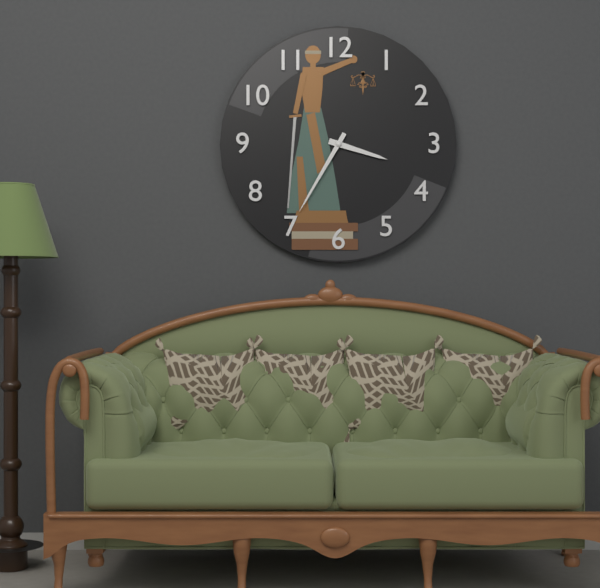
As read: 3h35
